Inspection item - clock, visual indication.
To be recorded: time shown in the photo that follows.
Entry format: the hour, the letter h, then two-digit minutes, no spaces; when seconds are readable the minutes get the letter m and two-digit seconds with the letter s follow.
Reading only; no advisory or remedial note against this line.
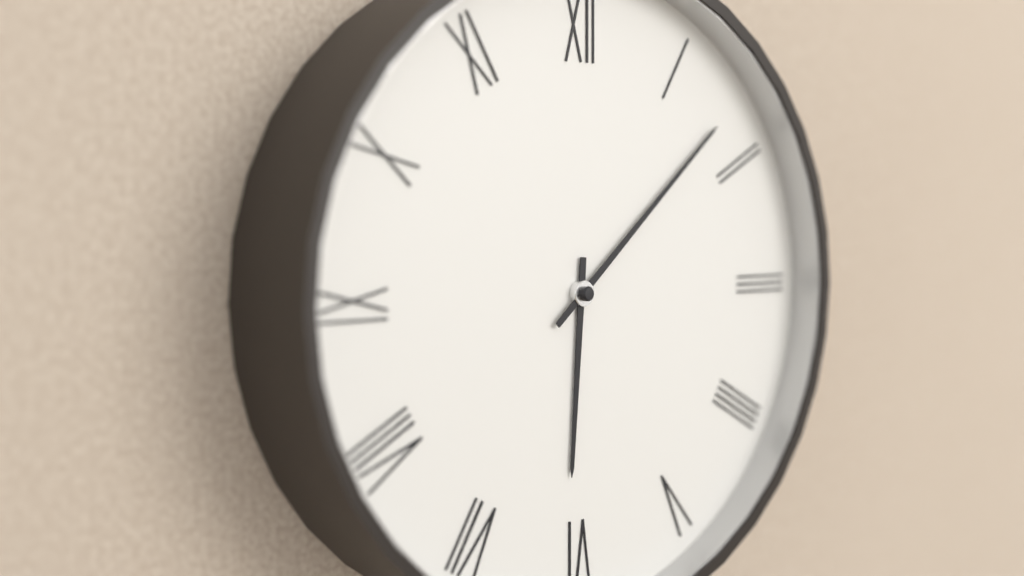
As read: 6h08
